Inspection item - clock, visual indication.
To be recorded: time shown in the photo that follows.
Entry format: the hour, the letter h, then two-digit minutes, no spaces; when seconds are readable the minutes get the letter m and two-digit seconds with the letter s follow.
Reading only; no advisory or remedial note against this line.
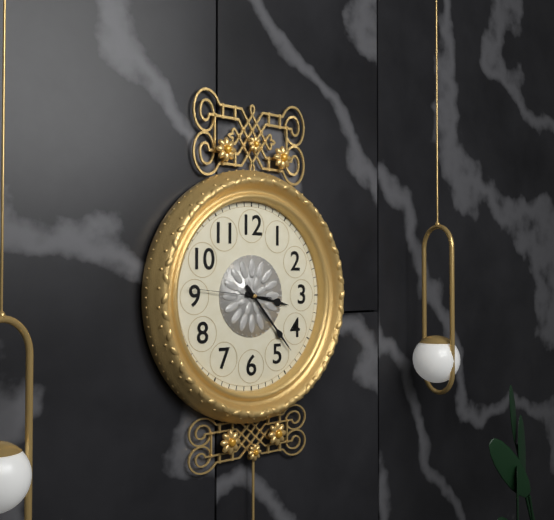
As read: 3h23m46s
